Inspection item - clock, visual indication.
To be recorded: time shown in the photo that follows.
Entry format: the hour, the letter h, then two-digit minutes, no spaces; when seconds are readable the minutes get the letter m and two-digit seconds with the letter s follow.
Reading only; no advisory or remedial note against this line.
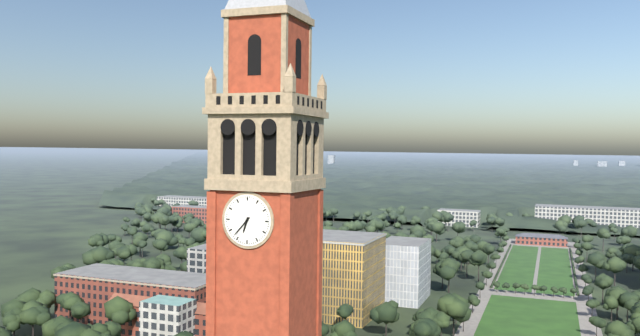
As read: 6h37
